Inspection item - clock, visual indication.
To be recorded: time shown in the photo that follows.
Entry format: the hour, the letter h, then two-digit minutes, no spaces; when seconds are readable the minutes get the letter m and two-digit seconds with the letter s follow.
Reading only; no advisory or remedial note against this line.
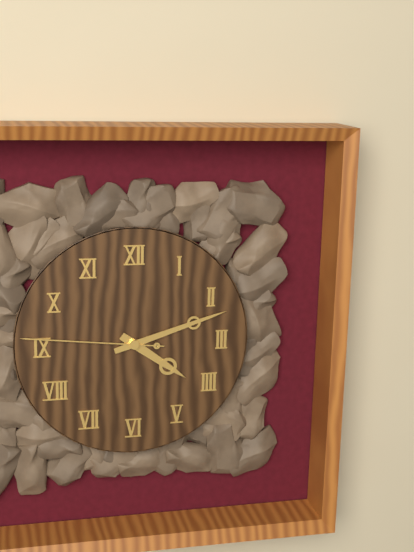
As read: 4h12m46s
